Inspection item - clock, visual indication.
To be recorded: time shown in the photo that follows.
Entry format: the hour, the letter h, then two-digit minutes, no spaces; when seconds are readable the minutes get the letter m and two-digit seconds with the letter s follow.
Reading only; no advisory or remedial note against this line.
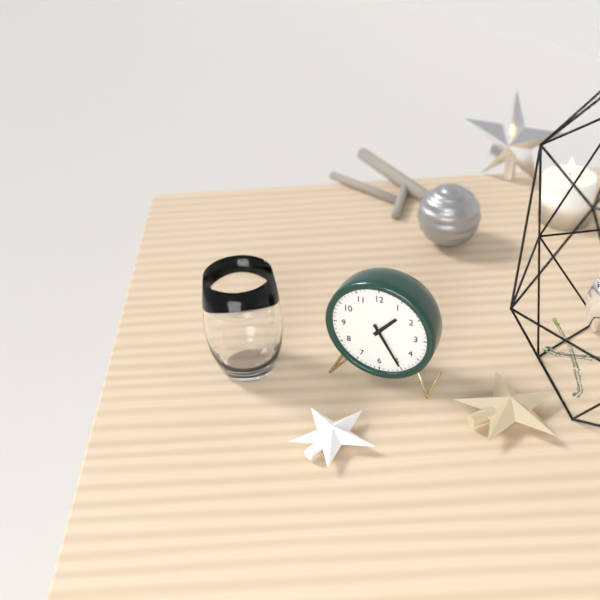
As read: 1h25
